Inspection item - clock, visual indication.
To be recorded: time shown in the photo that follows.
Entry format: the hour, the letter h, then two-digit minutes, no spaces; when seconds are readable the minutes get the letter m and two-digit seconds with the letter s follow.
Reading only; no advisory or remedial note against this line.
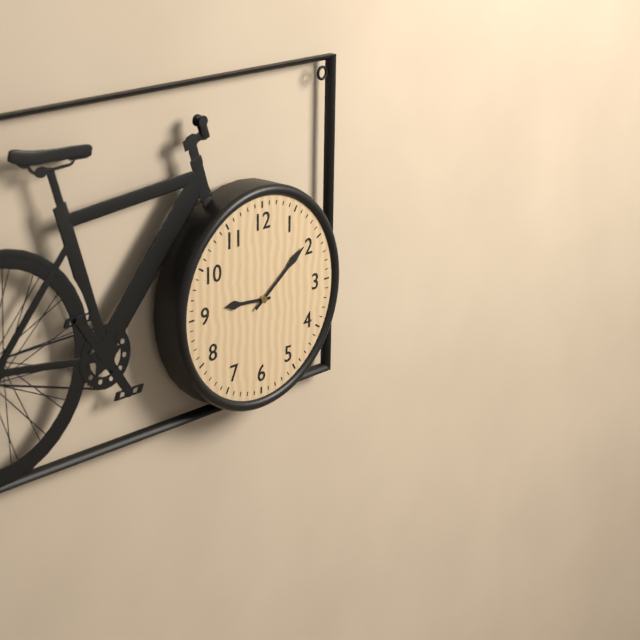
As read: 9h09
